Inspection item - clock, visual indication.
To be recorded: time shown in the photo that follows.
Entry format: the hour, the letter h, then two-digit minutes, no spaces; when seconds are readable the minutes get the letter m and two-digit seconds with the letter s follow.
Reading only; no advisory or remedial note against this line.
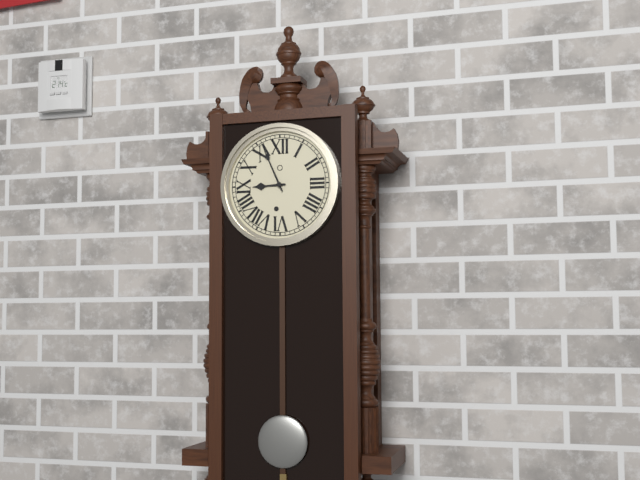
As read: 8h56
